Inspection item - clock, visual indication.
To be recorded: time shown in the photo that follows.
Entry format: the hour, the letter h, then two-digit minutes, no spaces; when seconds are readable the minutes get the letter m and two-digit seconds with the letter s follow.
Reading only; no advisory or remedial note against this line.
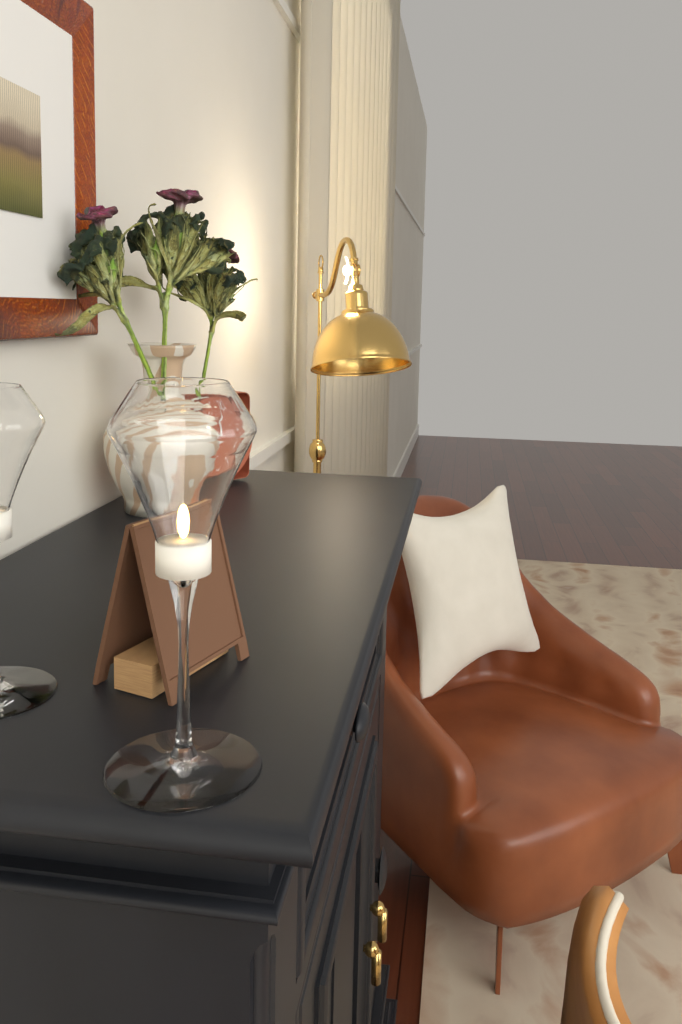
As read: 3h00
